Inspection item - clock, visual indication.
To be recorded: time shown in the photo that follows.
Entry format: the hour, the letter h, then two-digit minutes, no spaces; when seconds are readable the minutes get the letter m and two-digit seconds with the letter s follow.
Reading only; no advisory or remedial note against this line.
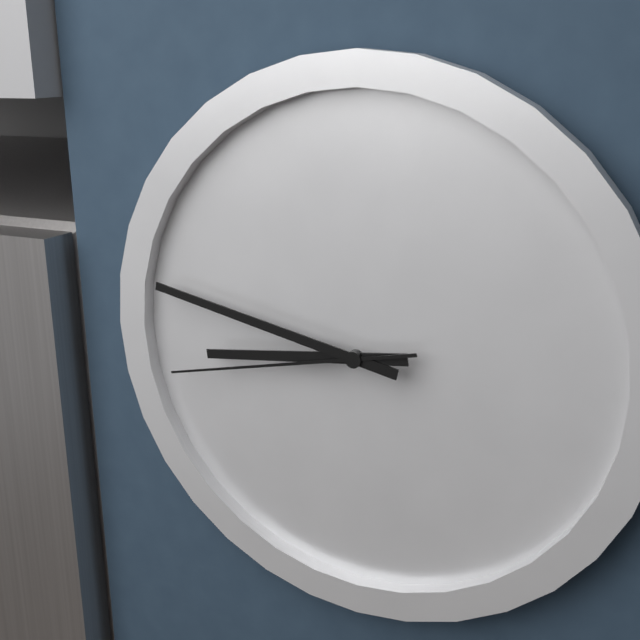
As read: 8h47m43s
